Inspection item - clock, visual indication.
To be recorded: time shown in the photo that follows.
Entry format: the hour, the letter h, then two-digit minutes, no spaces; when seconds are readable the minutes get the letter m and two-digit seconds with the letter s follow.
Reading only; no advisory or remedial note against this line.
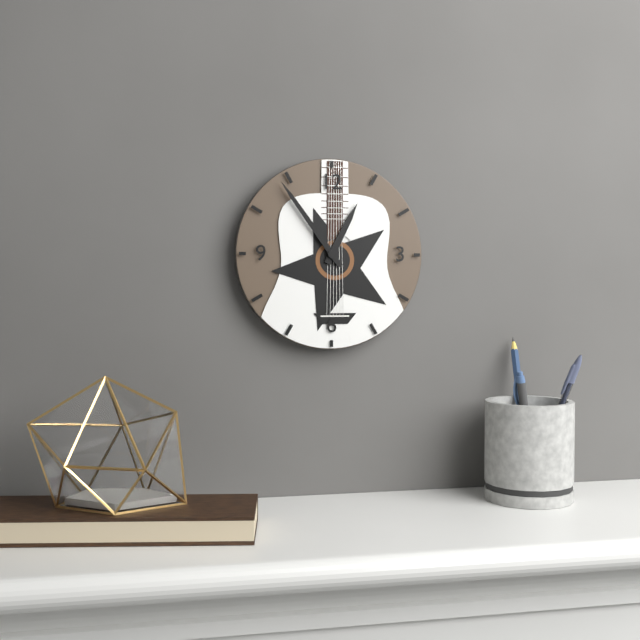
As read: 12h54
